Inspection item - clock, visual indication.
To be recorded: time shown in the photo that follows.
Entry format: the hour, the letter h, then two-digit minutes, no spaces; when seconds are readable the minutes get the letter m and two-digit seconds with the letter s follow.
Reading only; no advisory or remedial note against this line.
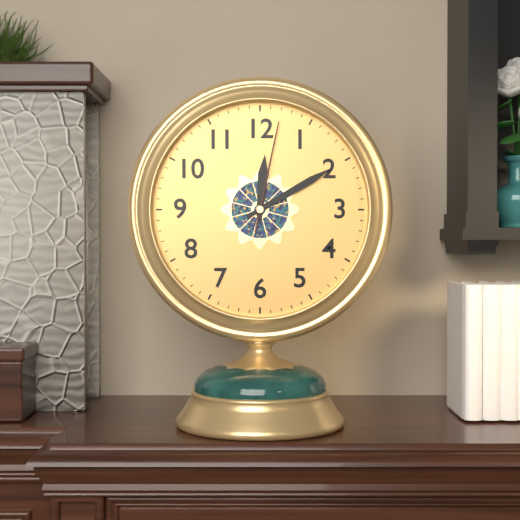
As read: 12h10m02s
